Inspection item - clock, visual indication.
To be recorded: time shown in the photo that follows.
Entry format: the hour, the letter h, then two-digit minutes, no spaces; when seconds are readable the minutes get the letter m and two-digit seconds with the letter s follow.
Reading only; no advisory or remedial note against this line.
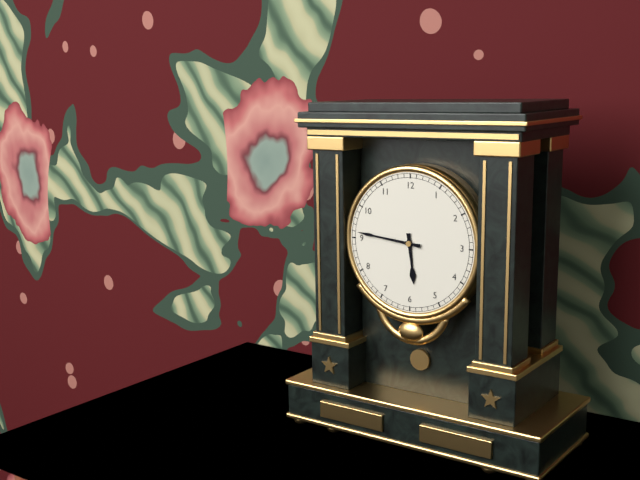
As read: 5h46
